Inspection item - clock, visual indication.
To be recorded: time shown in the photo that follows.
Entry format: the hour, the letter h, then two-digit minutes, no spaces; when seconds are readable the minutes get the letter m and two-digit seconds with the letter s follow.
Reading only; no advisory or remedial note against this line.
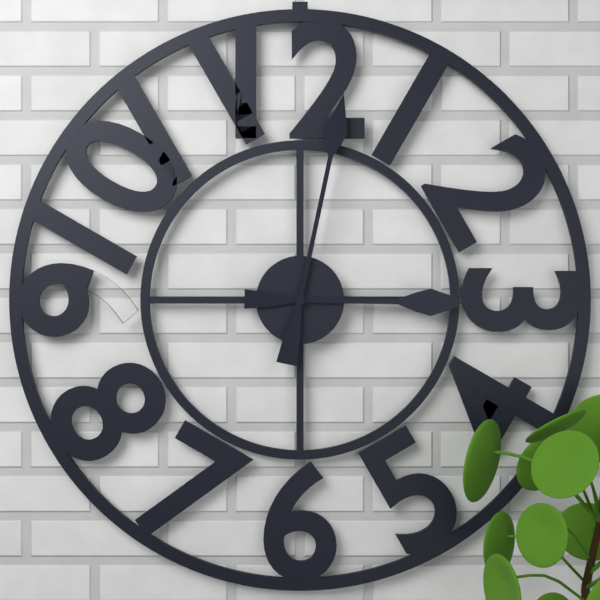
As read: 3h02
